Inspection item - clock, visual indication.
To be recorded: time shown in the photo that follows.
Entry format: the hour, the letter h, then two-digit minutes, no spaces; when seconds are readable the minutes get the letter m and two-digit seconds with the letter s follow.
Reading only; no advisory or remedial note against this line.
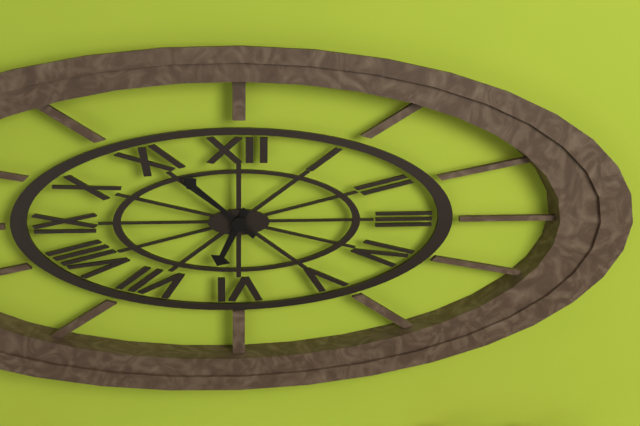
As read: 6h52
